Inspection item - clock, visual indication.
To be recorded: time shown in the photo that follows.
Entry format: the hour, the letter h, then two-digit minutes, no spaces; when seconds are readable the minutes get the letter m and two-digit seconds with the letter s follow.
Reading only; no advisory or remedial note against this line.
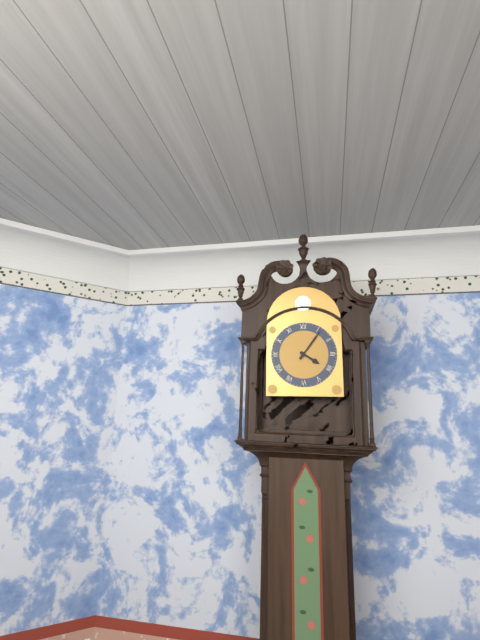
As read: 4h06
